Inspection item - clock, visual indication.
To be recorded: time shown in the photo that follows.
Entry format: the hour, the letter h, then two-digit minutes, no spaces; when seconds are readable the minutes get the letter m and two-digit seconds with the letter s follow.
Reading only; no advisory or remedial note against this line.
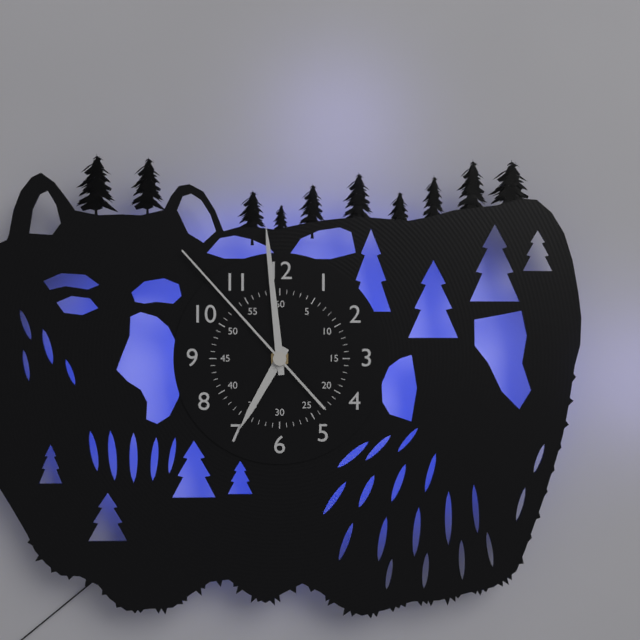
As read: 6h59m53s
